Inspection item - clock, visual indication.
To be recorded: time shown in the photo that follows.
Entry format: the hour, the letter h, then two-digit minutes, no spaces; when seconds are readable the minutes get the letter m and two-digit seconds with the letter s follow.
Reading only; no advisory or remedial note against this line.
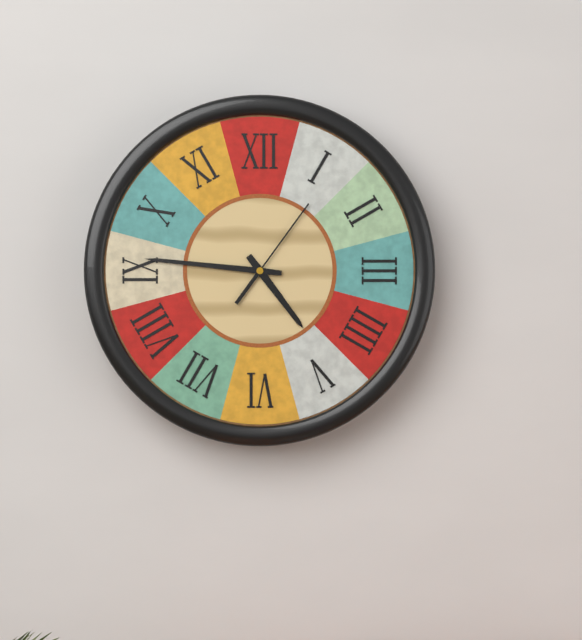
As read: 4h46m06s
